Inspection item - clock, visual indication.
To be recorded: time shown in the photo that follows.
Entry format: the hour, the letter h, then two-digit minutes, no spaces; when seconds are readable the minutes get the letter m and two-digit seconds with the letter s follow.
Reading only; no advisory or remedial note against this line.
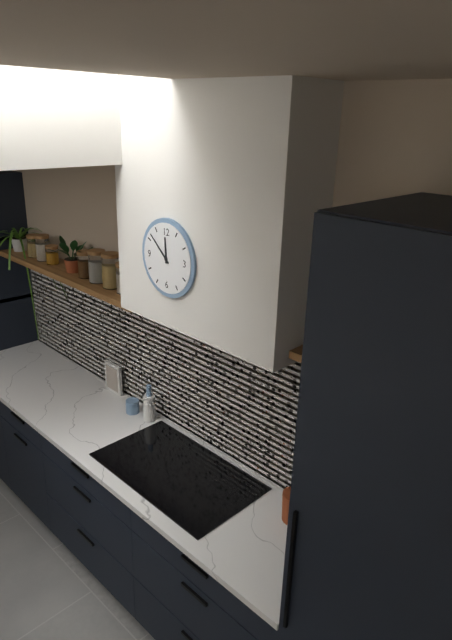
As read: 11h52
